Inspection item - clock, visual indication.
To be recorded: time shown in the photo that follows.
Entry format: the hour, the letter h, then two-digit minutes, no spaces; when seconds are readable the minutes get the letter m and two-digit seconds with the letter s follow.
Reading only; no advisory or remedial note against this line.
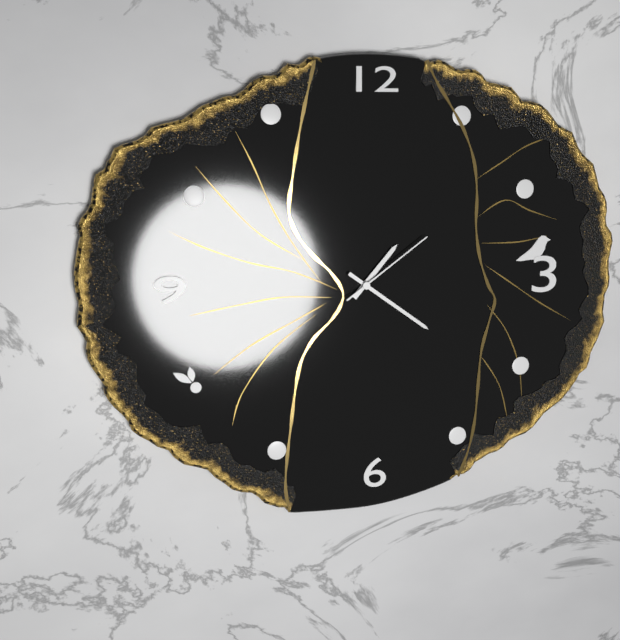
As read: 1h21m09s
